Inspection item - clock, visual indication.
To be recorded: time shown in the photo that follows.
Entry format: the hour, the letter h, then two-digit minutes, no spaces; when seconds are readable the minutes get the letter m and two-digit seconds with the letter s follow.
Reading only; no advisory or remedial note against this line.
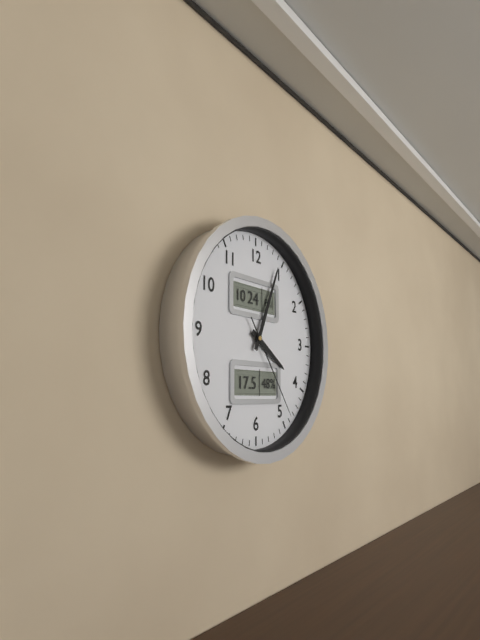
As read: 4h04m24s
